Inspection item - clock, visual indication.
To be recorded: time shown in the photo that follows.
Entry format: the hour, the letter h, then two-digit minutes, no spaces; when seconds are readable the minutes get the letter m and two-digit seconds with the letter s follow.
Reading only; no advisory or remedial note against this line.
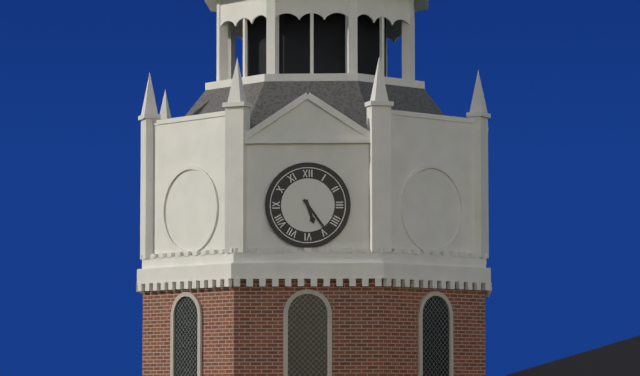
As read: 5h24
